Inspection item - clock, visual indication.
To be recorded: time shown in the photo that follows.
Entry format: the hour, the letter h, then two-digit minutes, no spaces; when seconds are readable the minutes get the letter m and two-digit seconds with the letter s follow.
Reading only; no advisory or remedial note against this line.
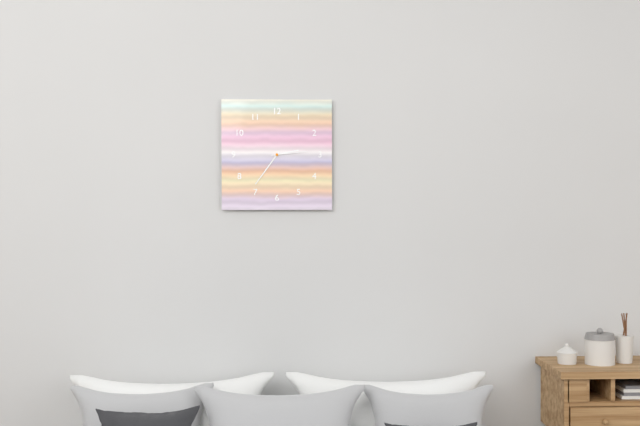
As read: 2h36
